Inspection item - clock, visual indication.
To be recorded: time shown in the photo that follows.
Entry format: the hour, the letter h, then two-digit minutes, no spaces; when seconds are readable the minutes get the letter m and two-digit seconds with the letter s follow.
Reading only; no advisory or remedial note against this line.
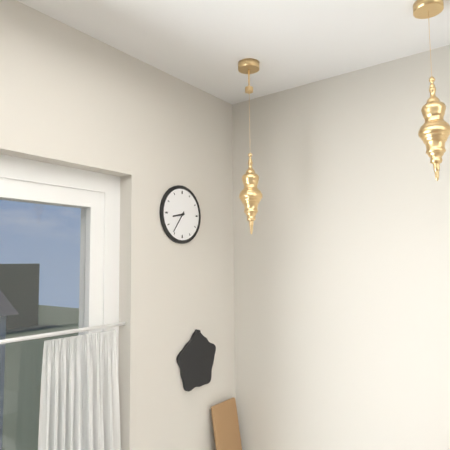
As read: 8h36
